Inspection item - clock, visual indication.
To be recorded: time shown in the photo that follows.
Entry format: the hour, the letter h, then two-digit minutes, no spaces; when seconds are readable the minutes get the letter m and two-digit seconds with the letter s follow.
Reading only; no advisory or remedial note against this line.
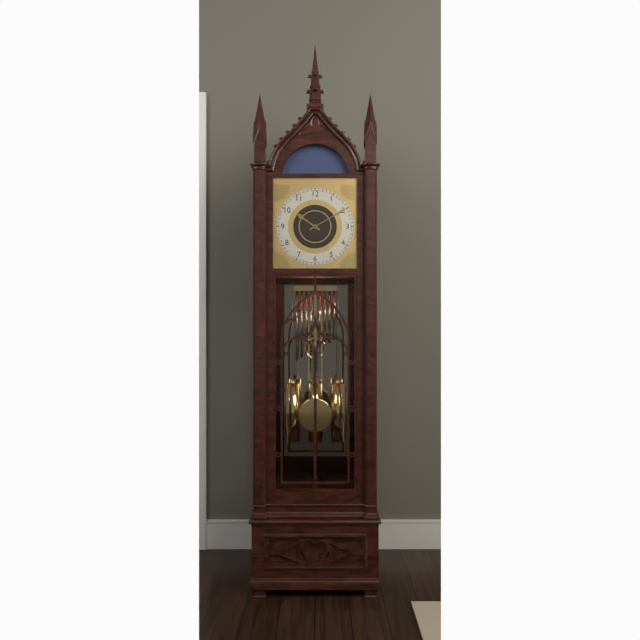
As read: 10h10
